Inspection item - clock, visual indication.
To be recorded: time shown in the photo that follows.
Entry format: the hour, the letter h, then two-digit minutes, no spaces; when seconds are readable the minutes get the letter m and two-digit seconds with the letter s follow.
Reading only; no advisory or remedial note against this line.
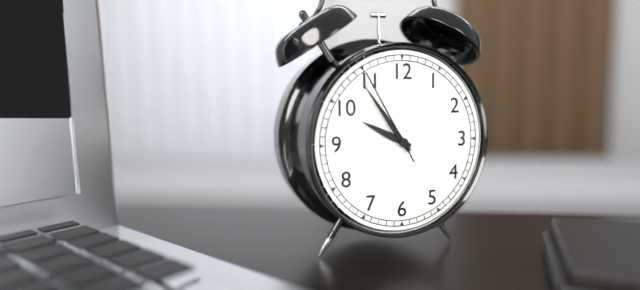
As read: 9h54m55s
